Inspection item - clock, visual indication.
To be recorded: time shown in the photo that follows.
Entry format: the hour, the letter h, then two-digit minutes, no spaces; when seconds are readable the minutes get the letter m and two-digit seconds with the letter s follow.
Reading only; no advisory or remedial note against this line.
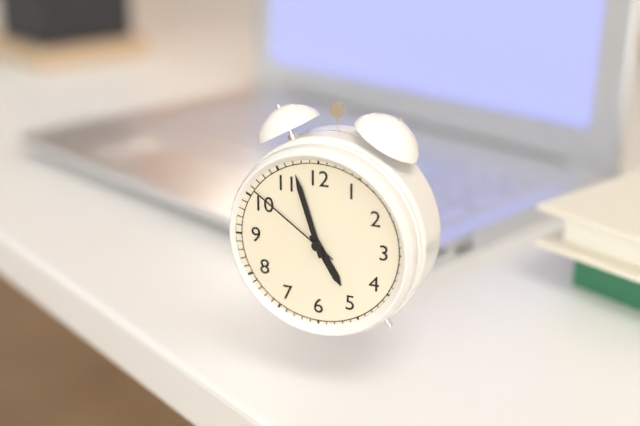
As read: 4h57m51s
